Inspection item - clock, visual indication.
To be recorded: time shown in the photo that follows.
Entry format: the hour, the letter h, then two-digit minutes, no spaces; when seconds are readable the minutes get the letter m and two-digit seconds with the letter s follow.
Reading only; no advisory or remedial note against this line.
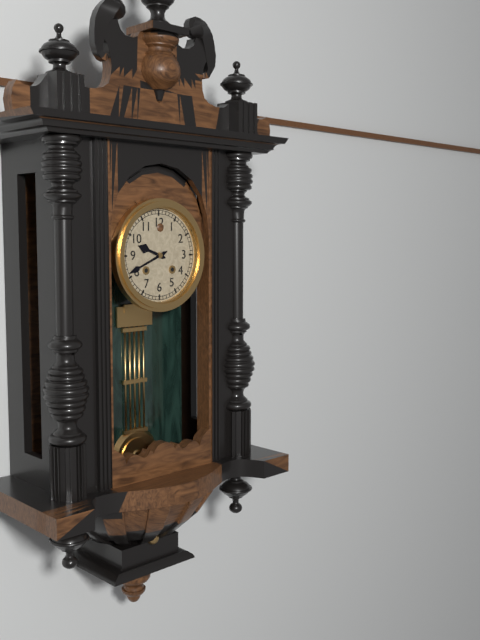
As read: 9h41
